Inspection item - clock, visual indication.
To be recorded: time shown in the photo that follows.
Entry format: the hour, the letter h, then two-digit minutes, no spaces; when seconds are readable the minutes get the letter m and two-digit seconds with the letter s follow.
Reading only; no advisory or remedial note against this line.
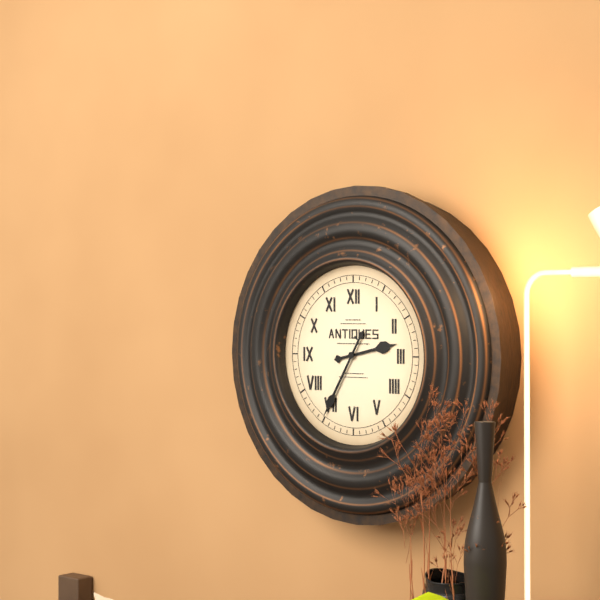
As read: 2h35
